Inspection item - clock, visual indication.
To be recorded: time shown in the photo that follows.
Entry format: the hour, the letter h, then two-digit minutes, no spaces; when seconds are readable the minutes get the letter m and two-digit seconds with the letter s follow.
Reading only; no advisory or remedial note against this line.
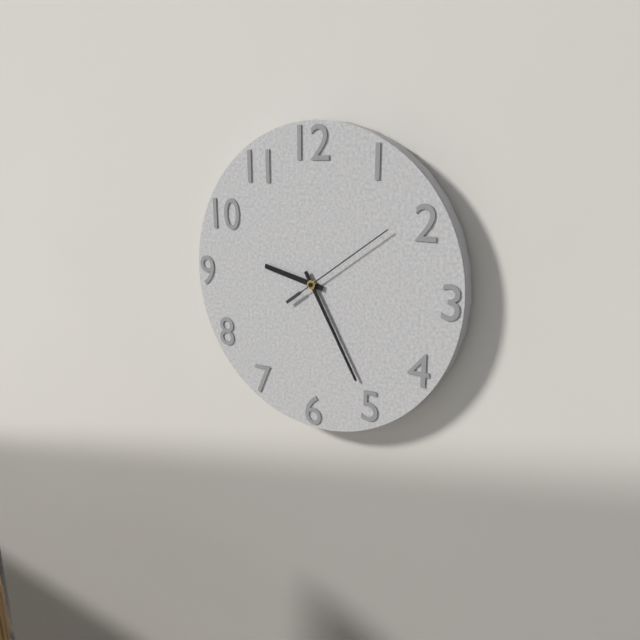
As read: 9h25m09s
